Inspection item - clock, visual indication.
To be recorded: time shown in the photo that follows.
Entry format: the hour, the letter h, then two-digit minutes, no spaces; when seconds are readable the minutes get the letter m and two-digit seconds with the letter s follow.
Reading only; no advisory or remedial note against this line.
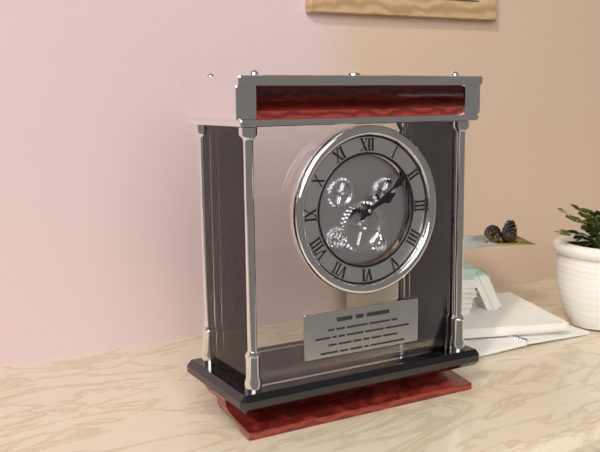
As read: 2h09
